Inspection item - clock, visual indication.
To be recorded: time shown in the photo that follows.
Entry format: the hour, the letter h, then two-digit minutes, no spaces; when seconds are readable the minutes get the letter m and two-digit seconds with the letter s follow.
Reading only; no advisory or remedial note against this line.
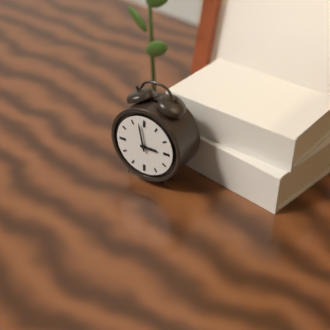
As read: 2h58
